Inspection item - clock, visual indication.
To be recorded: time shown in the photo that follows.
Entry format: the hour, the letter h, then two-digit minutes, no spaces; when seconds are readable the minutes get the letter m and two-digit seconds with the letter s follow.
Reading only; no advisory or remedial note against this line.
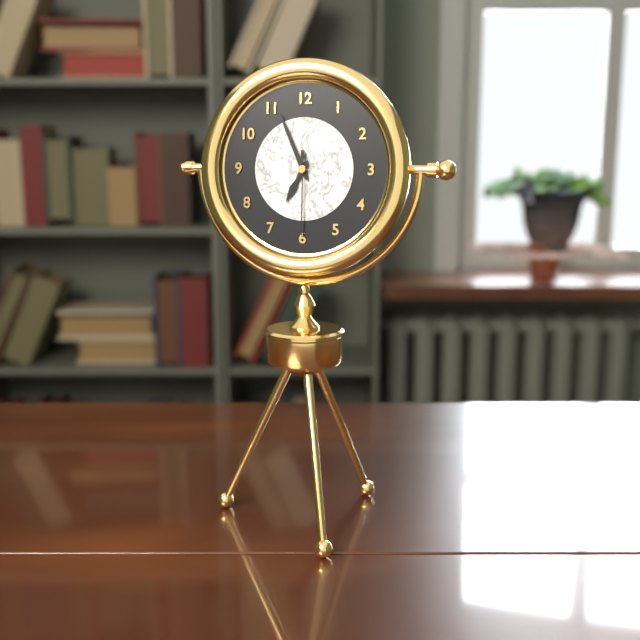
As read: 6h56m30s
